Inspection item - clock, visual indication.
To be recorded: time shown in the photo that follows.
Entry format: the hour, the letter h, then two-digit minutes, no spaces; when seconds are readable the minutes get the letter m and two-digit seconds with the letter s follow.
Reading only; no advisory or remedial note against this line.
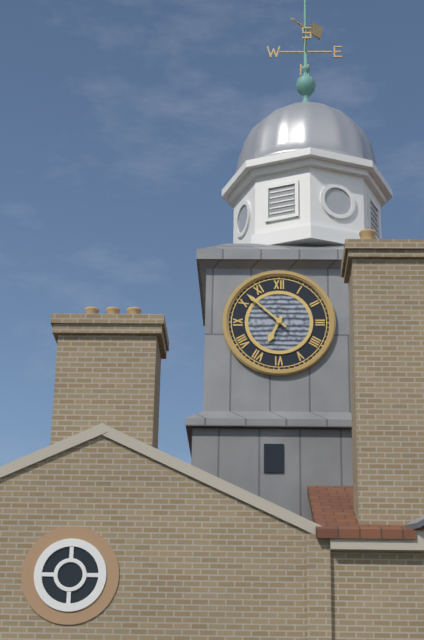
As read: 6h52
